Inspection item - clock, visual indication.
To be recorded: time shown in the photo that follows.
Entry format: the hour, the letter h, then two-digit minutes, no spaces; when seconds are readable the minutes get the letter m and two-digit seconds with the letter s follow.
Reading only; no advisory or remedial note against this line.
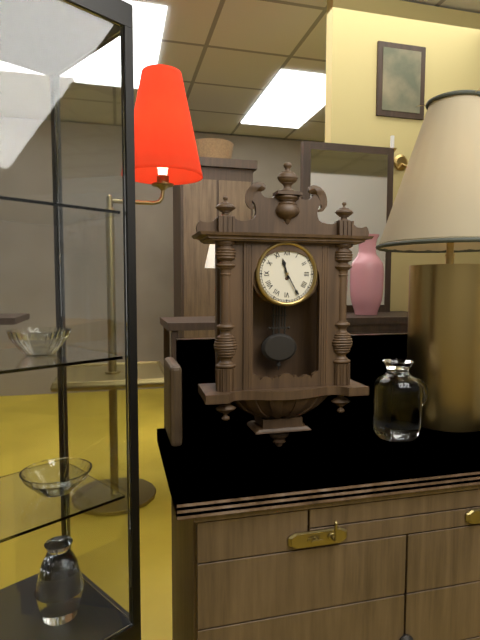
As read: 11h25
